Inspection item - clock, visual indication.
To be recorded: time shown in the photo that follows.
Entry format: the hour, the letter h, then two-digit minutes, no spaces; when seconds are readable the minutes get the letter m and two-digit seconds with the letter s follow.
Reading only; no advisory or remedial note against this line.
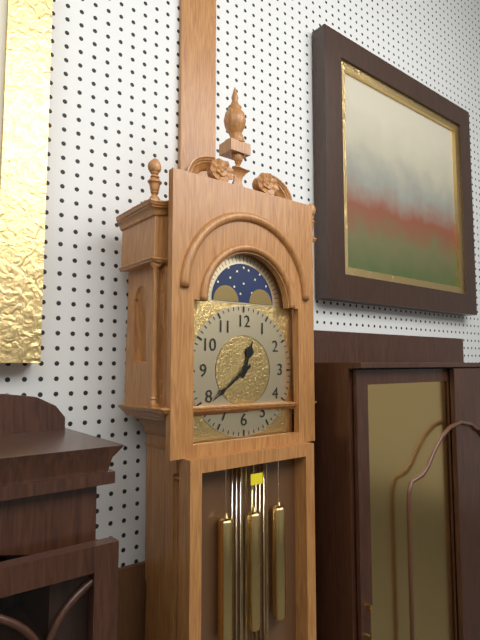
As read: 12h39
